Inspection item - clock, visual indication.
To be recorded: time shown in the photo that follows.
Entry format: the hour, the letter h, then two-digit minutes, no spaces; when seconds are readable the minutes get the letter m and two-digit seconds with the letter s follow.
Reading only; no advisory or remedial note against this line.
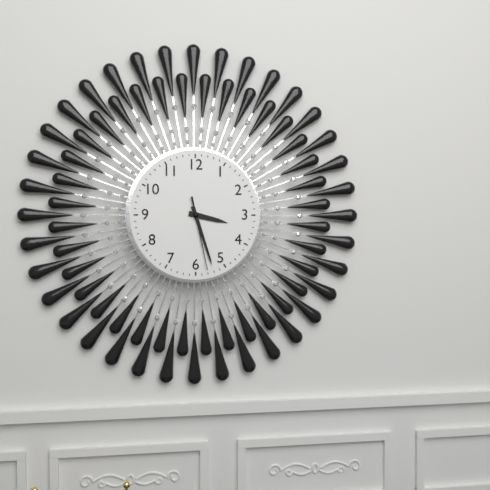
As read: 3h27m28s
